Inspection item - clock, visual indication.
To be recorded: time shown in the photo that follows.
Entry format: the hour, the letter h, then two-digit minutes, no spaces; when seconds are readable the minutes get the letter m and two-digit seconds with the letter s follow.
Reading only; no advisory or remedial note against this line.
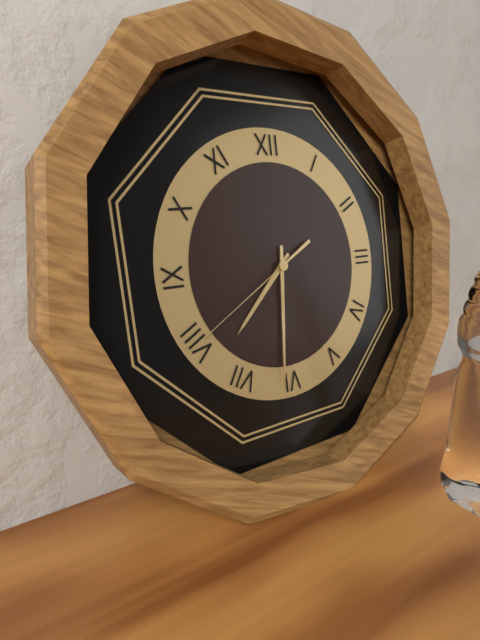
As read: 7h31m40s
